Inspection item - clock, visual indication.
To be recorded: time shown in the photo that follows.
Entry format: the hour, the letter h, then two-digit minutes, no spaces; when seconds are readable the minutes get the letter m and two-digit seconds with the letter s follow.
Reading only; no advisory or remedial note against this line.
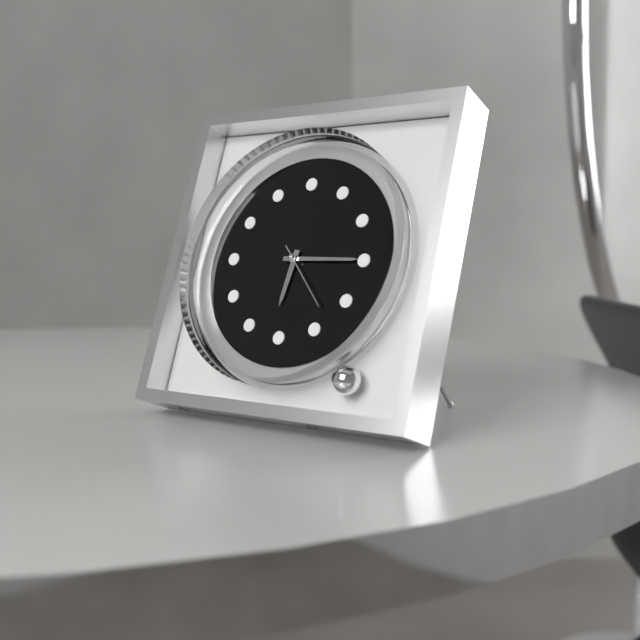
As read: 6h15m23s
